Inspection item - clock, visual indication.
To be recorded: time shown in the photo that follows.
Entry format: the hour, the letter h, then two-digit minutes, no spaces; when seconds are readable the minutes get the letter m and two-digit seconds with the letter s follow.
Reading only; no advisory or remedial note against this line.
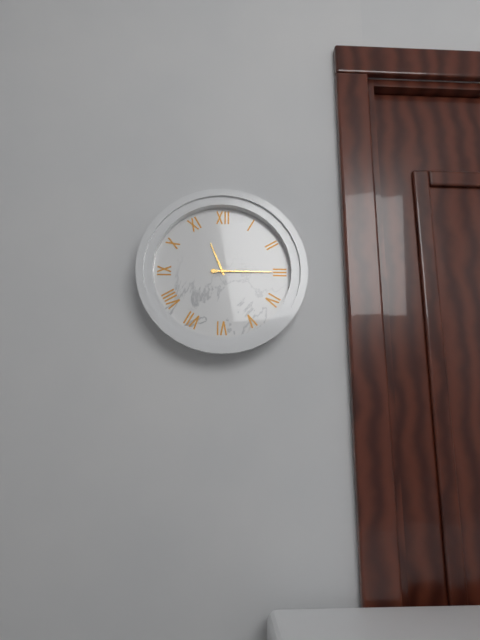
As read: 11h15
